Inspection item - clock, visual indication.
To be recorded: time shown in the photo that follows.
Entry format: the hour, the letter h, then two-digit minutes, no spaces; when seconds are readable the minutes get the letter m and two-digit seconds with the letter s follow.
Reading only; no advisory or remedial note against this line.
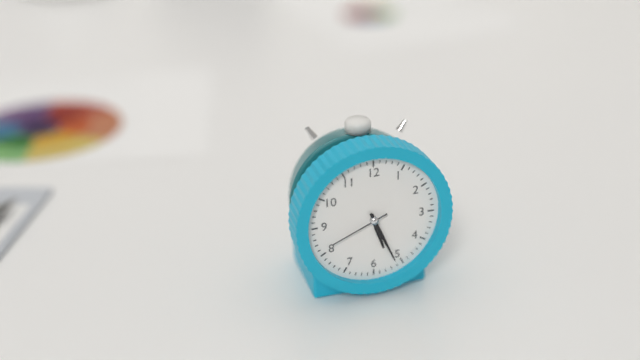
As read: 5h26m41s
